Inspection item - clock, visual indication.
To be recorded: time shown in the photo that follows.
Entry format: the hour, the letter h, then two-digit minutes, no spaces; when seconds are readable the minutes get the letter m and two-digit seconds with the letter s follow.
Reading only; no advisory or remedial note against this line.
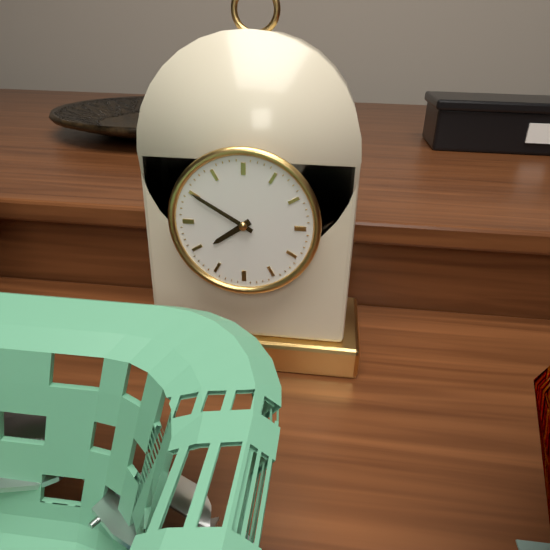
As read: 7h50
